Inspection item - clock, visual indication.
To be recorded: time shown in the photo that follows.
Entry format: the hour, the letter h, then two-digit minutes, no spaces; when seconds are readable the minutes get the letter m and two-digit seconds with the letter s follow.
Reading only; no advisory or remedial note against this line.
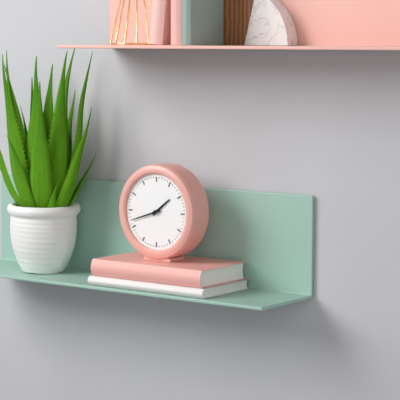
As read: 1h42
